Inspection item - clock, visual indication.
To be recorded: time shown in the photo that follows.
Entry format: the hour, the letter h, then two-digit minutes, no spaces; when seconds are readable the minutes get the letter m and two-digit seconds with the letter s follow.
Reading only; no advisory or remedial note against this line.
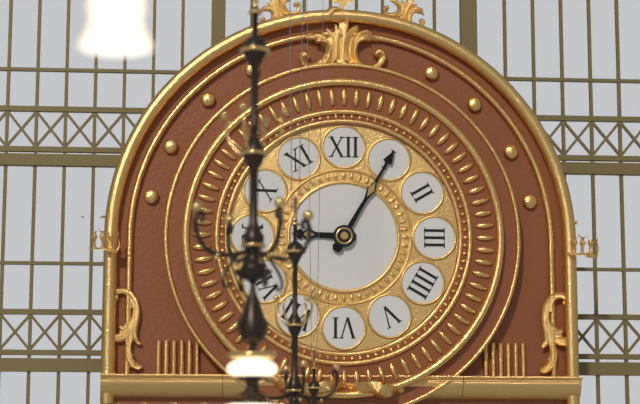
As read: 9h05
